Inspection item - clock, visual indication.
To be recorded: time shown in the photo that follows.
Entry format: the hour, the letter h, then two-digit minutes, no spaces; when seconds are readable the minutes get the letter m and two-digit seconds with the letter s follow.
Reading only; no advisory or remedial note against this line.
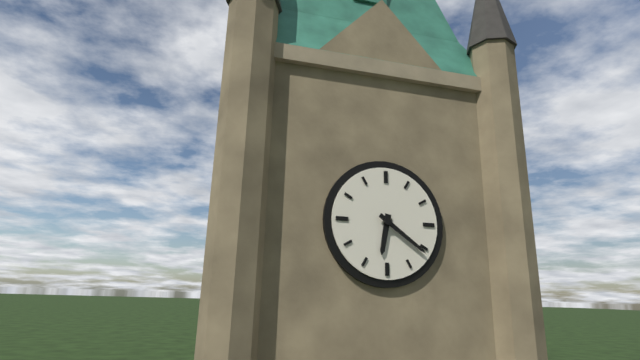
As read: 6h21
